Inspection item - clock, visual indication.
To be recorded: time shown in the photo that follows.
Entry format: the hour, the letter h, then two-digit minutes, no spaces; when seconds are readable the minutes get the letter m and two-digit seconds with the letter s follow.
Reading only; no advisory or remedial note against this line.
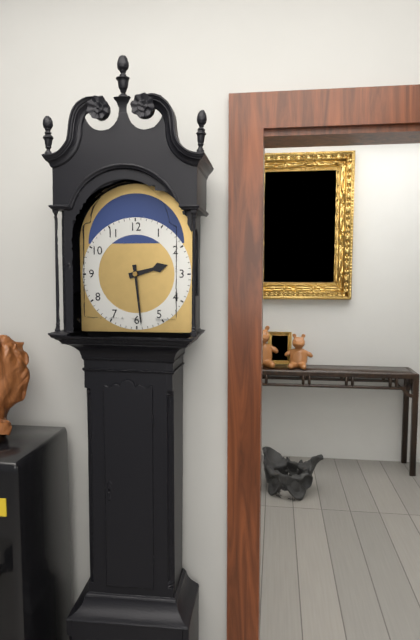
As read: 2h29
